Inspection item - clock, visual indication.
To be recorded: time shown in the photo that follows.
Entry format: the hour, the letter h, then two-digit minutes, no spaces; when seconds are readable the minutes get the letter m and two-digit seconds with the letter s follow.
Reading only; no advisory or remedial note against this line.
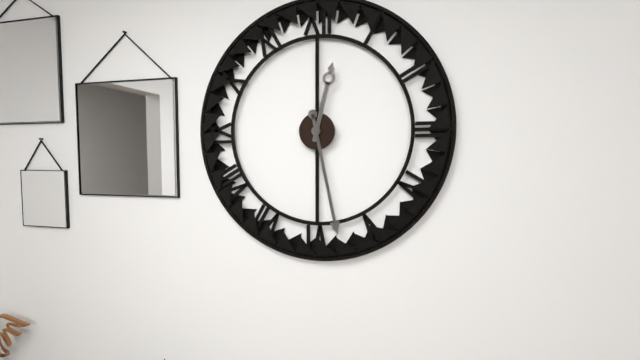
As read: 12h28
